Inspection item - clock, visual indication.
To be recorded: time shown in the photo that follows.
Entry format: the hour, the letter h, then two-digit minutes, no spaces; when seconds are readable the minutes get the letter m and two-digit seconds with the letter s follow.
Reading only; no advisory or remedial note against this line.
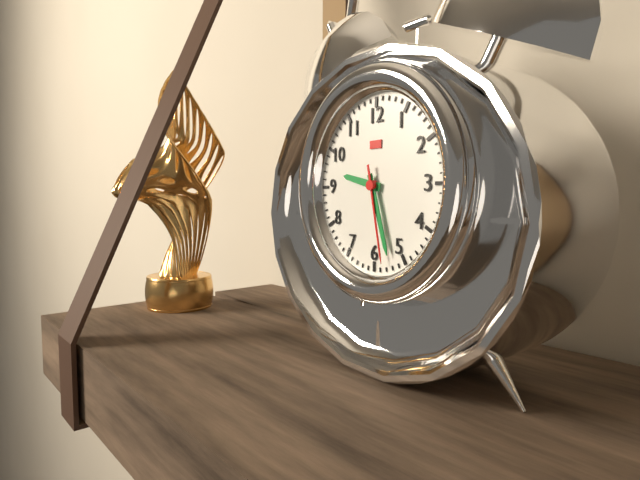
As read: 9h27m28s
